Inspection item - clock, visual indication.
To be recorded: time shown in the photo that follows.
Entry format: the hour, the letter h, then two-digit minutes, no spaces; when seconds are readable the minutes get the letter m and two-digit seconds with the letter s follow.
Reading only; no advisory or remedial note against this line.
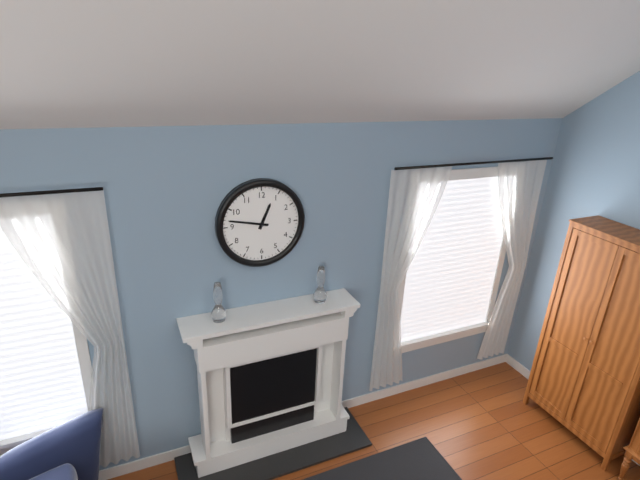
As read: 12h47
